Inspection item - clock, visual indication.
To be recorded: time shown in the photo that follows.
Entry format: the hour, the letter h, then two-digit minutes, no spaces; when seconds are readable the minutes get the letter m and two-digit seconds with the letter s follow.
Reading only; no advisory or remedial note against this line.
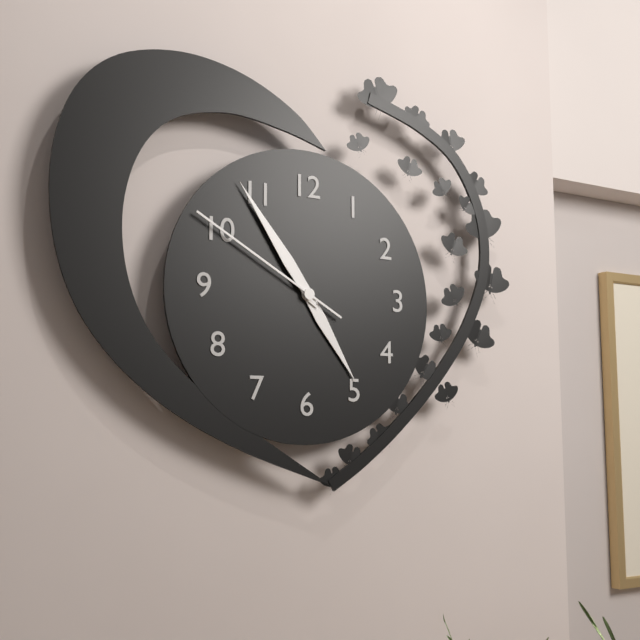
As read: 4h54m50s
